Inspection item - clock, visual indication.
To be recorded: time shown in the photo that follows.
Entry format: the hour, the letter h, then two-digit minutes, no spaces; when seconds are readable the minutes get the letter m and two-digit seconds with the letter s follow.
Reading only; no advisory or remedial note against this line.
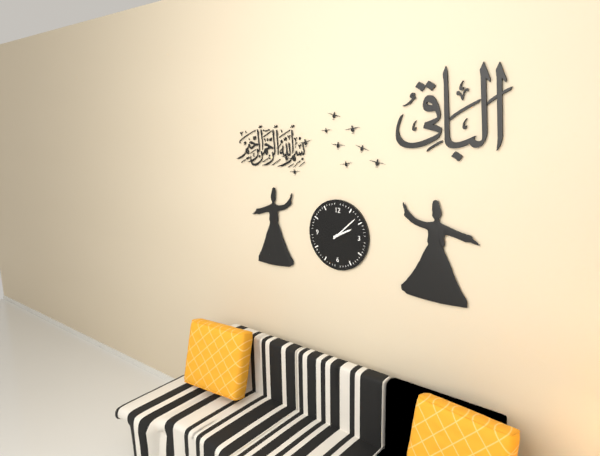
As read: 2h08
